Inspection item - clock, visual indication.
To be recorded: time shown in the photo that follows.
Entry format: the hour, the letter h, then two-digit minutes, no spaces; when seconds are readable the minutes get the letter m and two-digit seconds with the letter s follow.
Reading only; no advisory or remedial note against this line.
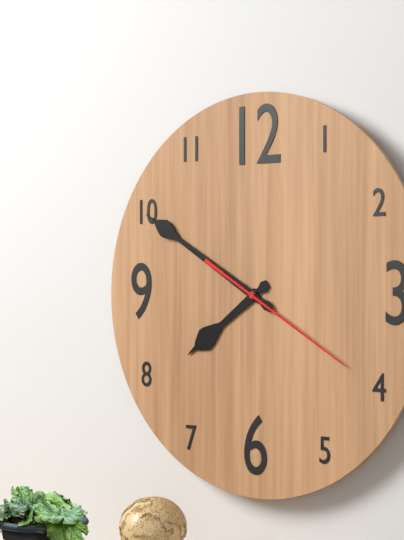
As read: 7h50m20s
